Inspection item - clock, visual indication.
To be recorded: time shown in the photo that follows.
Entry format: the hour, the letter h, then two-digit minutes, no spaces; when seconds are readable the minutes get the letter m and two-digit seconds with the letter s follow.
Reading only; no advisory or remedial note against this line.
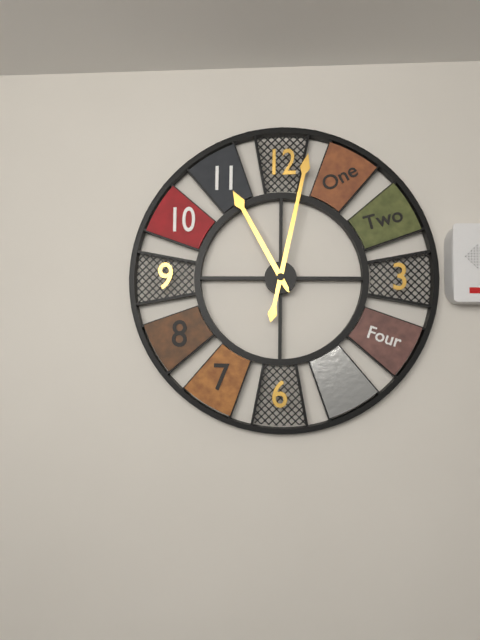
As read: 11h02
